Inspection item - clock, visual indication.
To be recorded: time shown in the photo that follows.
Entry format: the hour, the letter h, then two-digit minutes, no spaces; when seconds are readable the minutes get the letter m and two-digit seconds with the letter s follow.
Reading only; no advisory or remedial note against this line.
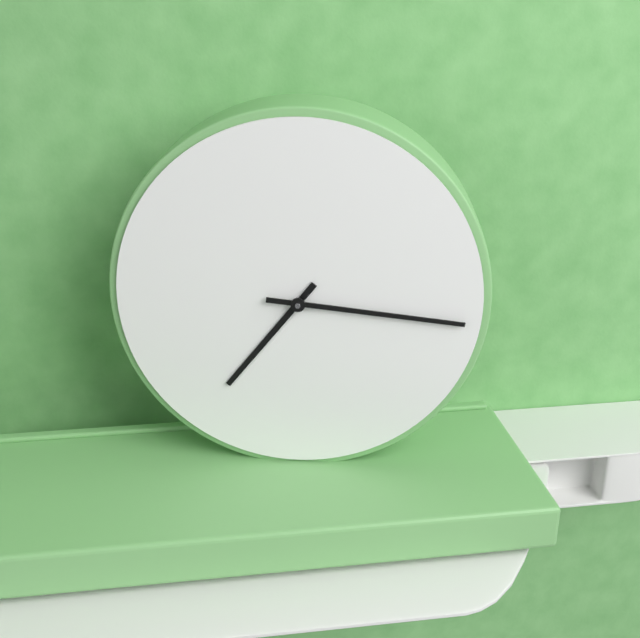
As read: 7h16
